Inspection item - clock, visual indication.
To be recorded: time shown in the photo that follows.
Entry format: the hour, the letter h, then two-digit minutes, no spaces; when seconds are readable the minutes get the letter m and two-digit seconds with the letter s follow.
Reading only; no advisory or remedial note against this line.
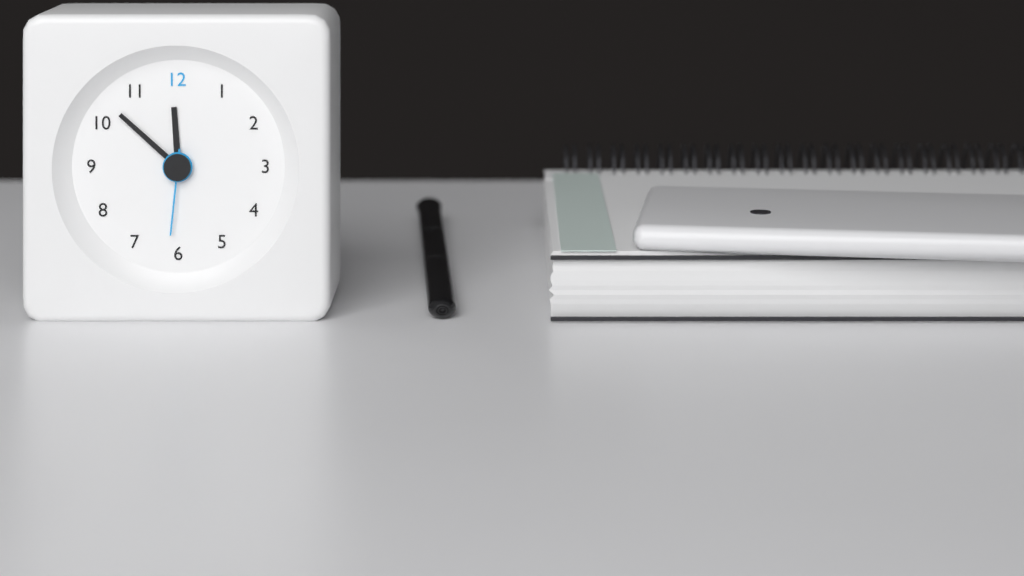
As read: 11h52m31s
